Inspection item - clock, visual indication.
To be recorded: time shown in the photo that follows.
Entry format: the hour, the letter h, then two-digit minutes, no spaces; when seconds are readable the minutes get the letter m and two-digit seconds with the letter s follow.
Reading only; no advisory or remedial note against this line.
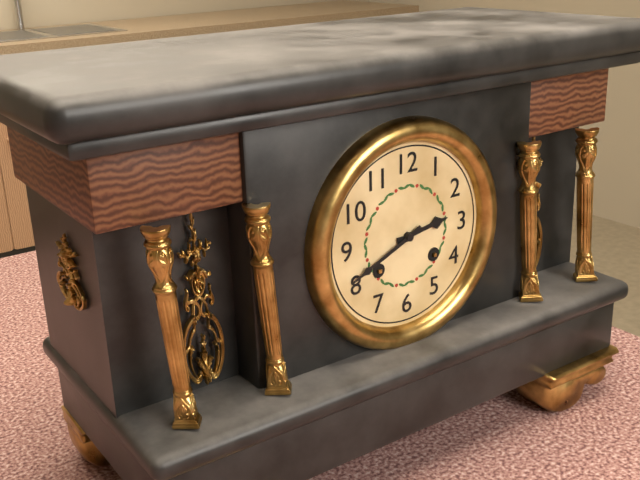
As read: 2h41
